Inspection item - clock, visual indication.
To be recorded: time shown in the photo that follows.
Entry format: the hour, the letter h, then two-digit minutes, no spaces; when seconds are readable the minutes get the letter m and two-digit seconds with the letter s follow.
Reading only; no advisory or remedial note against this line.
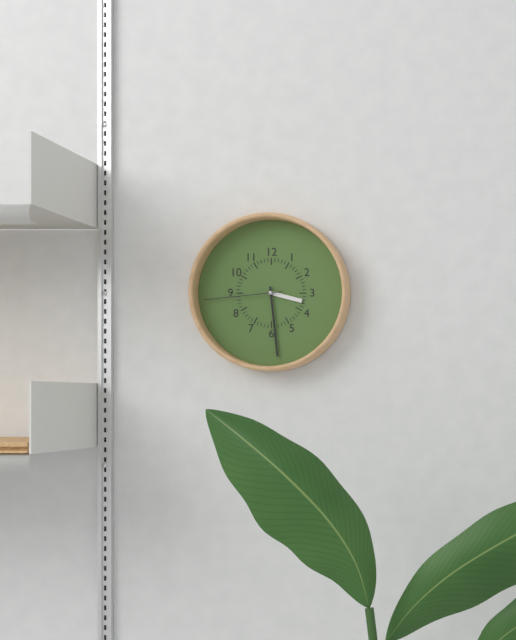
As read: 3h29m44s
